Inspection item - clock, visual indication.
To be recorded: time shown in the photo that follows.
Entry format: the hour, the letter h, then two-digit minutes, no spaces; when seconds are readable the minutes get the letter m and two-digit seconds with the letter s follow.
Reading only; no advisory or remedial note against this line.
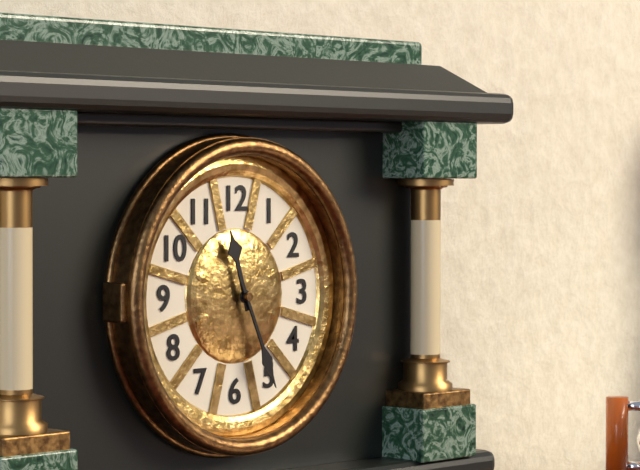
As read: 11h26
